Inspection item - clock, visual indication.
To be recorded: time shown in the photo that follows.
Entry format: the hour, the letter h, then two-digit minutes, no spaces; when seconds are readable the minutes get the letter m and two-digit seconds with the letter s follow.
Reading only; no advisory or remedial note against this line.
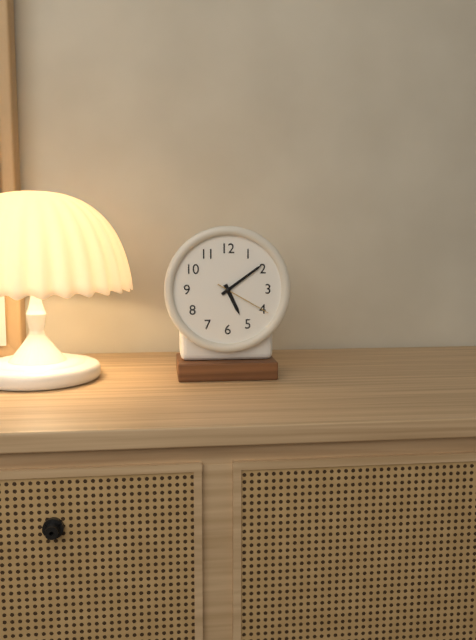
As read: 5h09m20s
